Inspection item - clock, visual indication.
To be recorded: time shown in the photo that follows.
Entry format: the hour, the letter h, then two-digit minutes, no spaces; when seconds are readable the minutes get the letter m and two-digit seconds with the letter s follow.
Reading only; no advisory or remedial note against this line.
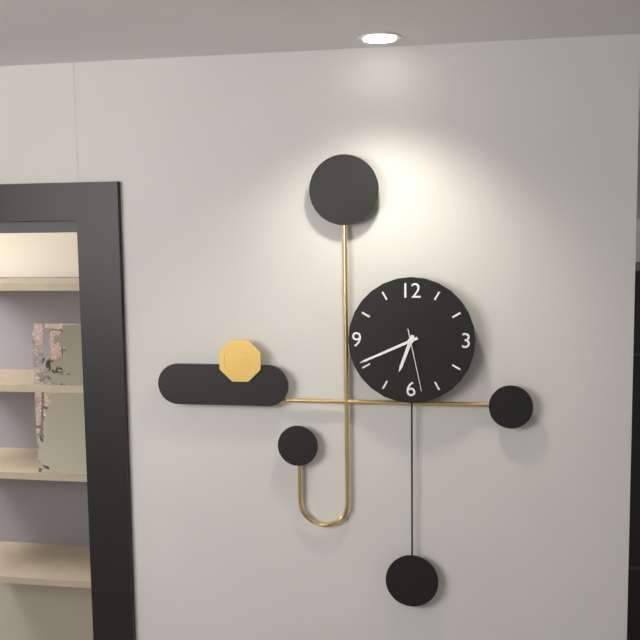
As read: 6h41m28s
